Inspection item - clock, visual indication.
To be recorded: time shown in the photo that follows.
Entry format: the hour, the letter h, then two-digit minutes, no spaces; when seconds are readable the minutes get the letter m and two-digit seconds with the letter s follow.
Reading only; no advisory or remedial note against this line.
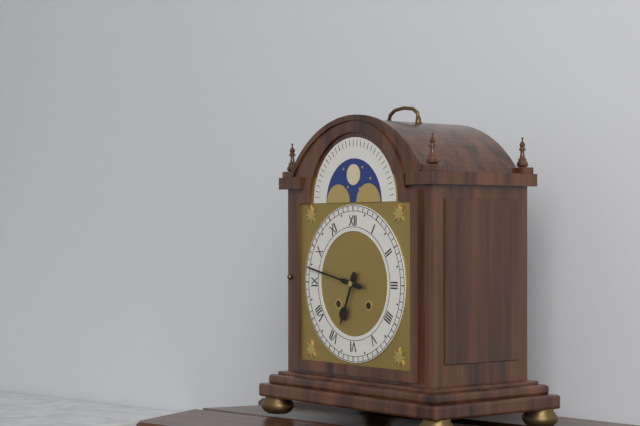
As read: 6h47
